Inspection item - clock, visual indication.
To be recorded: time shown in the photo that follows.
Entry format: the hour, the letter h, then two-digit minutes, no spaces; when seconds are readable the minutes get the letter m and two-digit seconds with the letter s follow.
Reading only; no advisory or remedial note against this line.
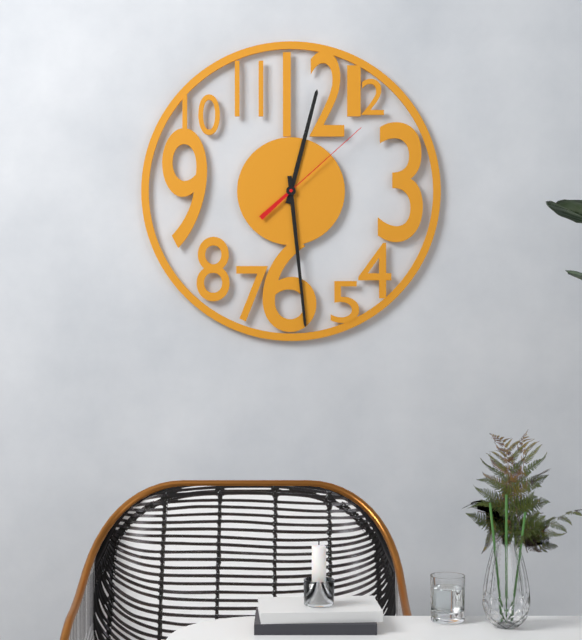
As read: 12h29m08s
